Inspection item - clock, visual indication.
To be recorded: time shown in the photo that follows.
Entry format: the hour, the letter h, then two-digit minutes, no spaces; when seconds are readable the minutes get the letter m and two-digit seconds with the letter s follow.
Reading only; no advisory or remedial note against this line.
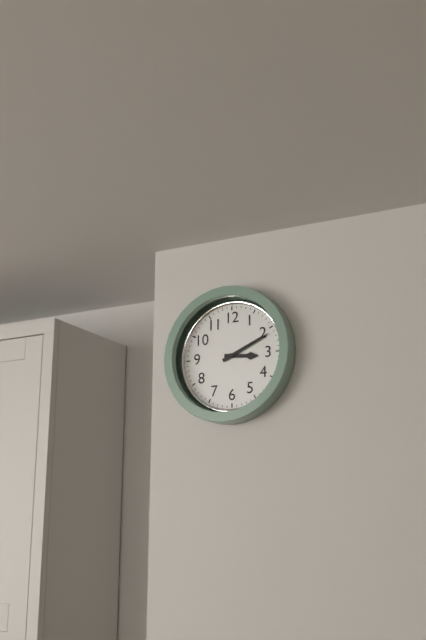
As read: 3h11
